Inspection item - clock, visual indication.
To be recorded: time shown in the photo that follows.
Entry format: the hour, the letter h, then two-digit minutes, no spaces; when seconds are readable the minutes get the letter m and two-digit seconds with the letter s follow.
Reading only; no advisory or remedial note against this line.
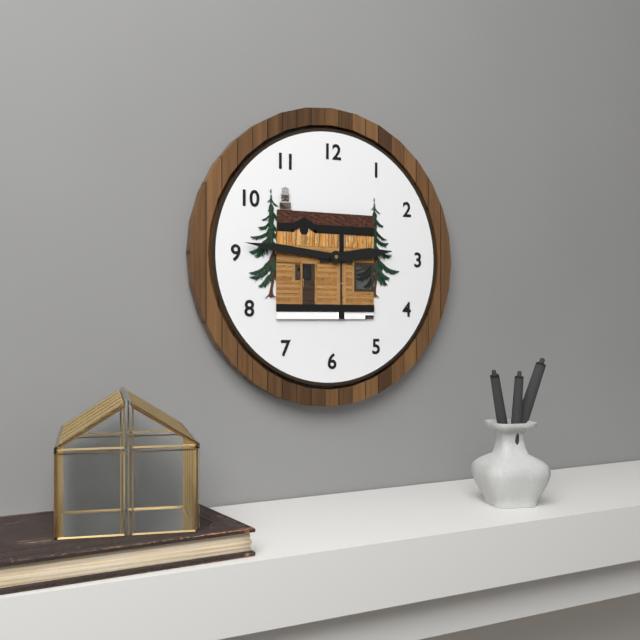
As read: 2h46
